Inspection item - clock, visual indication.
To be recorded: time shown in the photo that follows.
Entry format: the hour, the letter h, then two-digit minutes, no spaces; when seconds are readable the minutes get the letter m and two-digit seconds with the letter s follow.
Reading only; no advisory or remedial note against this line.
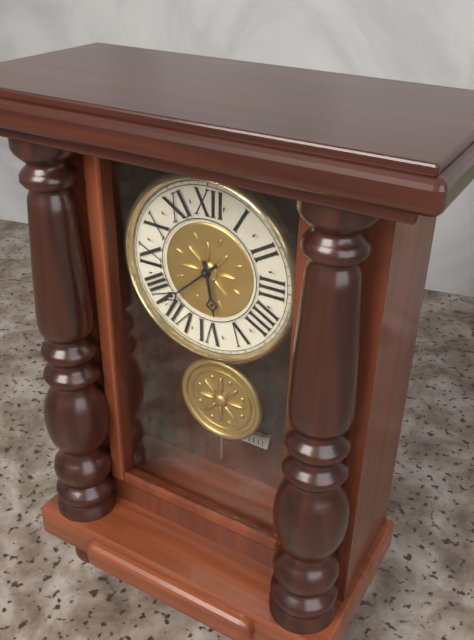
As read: 5h38
